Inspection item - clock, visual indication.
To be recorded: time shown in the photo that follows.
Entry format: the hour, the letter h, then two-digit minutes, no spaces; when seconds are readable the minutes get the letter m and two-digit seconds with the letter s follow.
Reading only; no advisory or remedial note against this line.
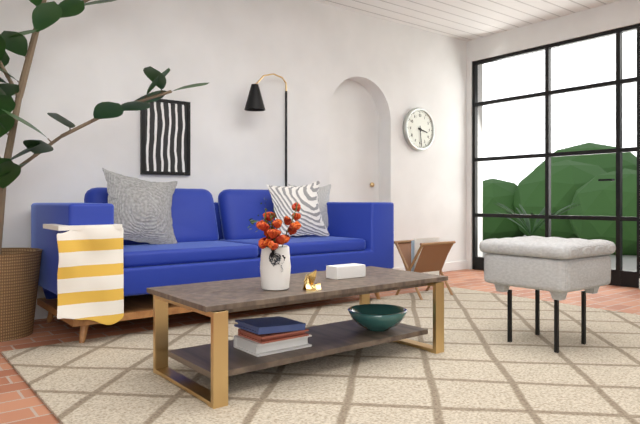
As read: 3h29
